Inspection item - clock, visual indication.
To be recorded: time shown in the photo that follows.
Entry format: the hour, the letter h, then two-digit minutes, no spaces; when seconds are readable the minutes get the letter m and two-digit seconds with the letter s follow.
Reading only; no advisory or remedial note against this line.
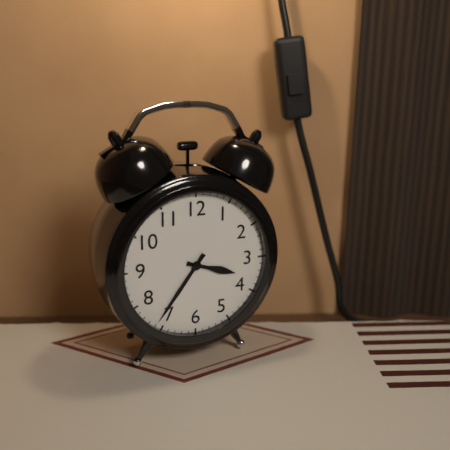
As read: 3h36
